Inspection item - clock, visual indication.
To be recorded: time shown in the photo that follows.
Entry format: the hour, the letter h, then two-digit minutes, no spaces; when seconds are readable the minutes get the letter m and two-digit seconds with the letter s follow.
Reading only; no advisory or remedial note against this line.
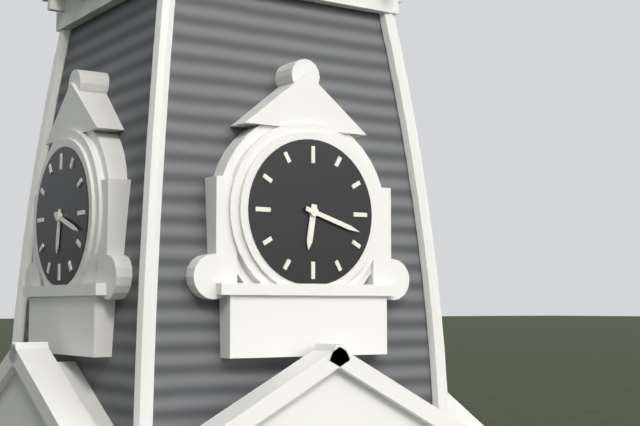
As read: 6h18
